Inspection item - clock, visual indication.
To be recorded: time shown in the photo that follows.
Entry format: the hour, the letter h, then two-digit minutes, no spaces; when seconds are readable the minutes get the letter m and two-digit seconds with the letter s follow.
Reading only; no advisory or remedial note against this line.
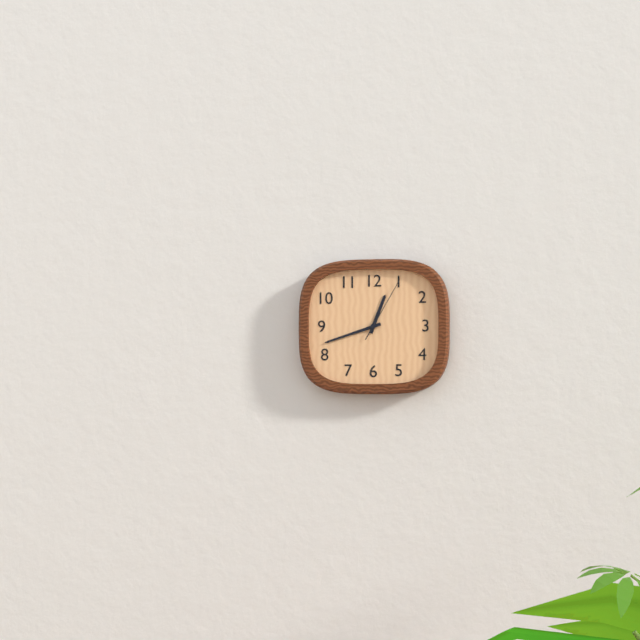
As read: 12h42m05s
